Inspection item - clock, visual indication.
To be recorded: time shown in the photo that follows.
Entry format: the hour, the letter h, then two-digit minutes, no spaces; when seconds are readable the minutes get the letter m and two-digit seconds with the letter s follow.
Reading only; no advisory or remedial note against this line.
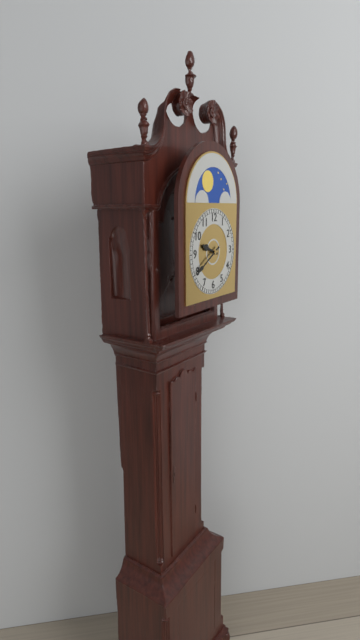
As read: 9h40
